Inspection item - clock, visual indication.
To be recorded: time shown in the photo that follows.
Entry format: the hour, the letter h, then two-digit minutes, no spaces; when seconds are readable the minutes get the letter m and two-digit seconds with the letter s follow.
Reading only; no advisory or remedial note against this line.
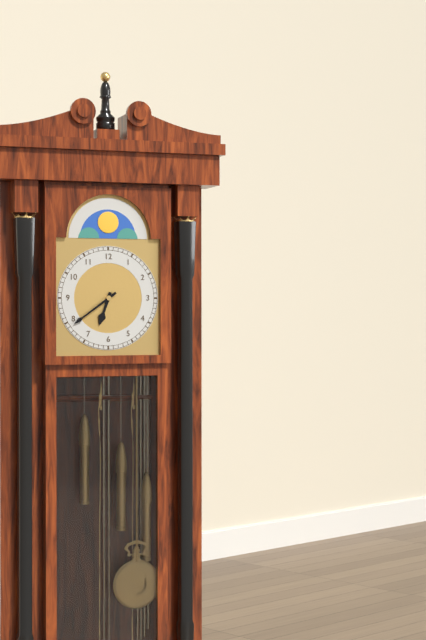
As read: 6h39
